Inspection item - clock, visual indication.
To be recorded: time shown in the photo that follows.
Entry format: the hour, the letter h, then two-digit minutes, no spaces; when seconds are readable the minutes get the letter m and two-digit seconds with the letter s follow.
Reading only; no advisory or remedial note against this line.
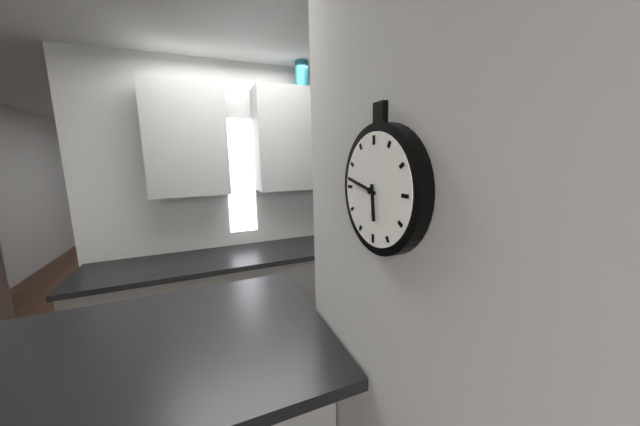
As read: 5h47
